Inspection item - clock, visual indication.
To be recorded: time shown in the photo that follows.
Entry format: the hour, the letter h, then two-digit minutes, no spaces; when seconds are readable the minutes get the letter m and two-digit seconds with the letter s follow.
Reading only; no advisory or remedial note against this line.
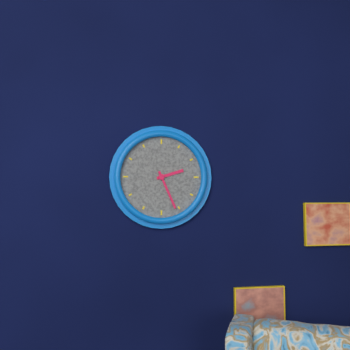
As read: 2h26
